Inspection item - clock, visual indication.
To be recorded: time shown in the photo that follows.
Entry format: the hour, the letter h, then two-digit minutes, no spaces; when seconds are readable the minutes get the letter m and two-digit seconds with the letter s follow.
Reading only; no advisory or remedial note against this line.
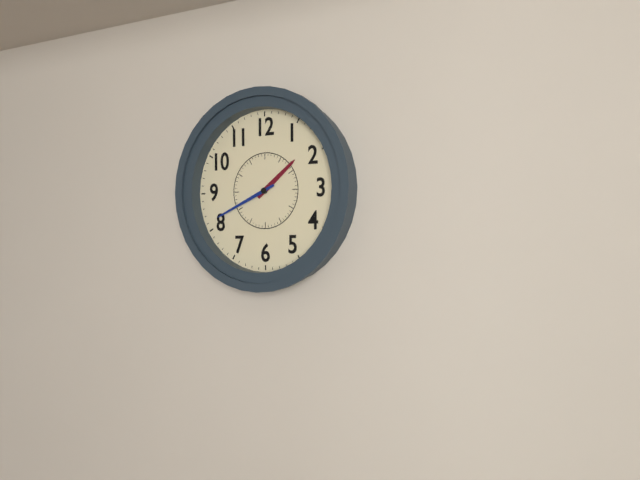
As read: 1h41
